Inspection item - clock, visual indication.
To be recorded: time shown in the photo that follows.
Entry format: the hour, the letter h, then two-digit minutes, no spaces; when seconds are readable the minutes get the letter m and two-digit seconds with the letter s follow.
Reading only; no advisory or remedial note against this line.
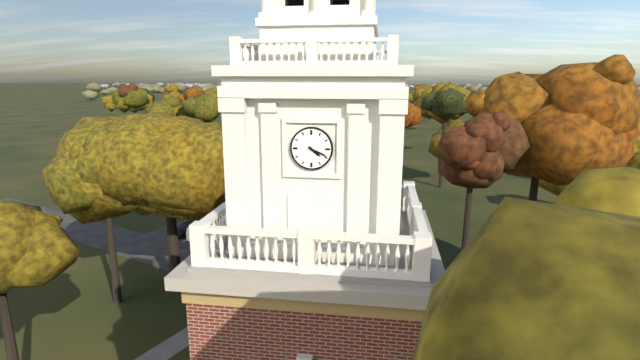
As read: 4h19
